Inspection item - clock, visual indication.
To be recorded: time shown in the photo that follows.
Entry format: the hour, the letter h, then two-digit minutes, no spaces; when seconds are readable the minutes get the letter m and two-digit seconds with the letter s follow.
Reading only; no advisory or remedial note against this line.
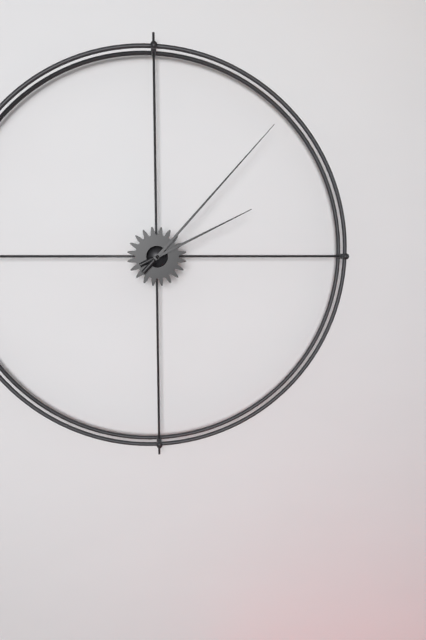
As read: 2h07
